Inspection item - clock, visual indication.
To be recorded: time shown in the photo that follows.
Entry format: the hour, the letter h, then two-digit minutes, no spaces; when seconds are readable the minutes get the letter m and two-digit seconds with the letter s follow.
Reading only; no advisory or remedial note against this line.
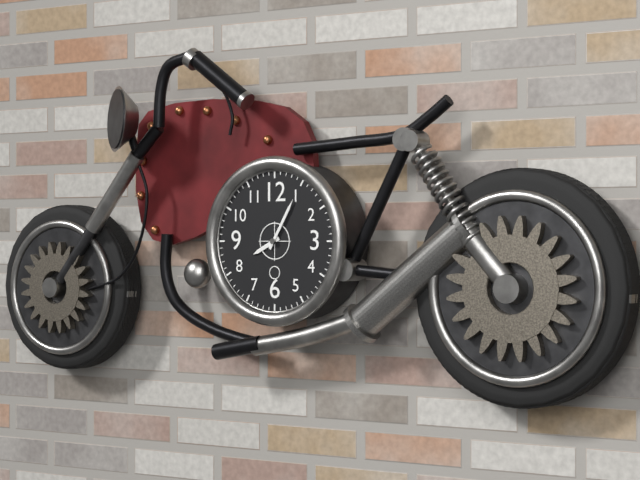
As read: 8h05
